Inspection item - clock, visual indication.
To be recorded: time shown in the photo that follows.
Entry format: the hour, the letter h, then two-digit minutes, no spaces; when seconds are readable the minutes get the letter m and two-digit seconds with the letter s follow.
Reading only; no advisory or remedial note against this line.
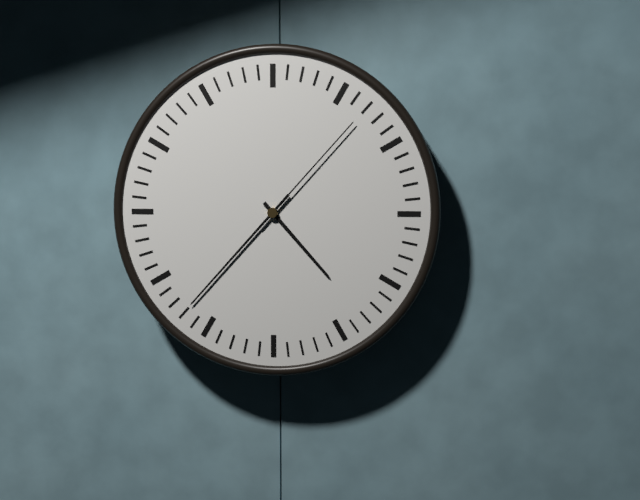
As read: 4h37m07s
